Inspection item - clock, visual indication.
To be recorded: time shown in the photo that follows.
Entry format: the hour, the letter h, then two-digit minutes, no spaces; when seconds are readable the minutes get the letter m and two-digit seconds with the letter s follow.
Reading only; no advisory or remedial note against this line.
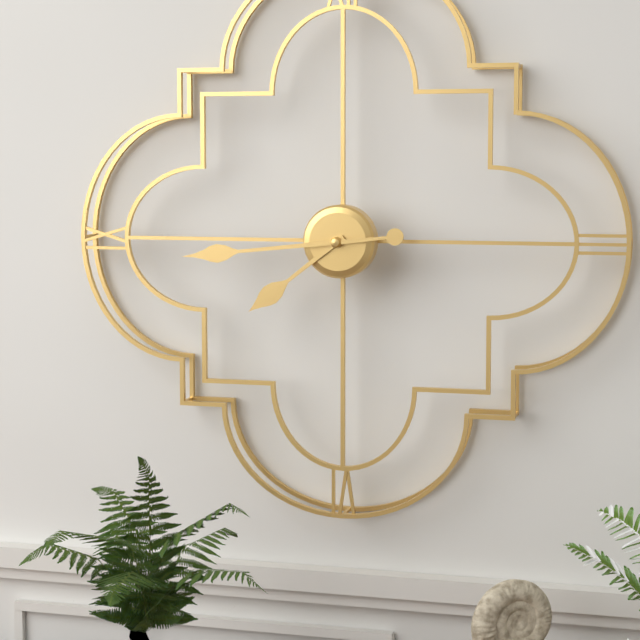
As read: 7h44
